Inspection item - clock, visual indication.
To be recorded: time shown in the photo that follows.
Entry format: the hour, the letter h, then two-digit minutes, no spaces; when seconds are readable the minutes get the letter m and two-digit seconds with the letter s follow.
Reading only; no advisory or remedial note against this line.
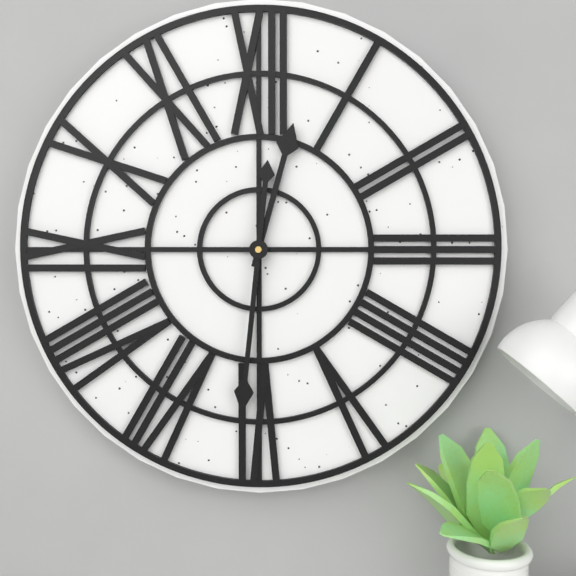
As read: 12h31
